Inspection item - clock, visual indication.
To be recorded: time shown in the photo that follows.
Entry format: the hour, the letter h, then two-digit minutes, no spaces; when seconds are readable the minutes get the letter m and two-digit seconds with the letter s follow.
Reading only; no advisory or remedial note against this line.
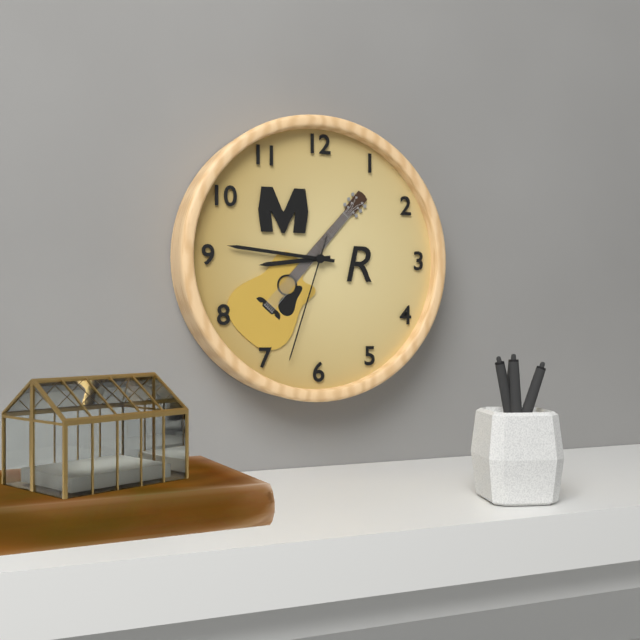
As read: 8h46m33s
